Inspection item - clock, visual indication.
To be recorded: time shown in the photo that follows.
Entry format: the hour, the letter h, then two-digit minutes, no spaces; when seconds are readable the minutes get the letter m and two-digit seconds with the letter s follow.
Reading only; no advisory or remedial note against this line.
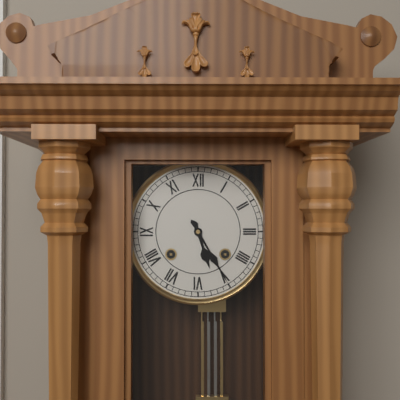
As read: 5h25
